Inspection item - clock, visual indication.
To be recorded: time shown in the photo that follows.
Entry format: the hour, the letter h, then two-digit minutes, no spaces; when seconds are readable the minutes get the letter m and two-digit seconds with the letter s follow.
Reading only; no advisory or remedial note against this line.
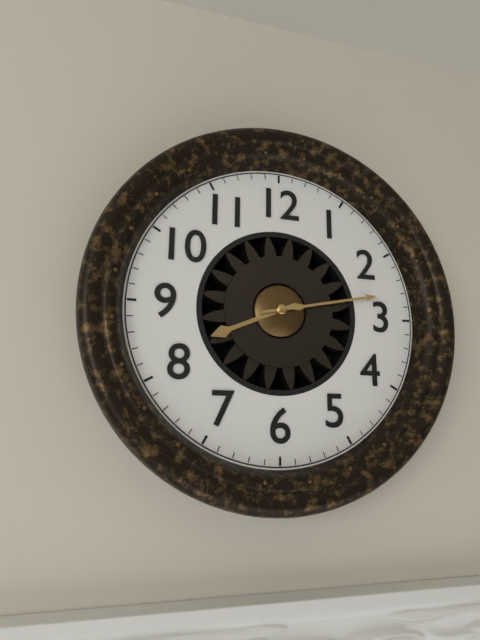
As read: 8h13
